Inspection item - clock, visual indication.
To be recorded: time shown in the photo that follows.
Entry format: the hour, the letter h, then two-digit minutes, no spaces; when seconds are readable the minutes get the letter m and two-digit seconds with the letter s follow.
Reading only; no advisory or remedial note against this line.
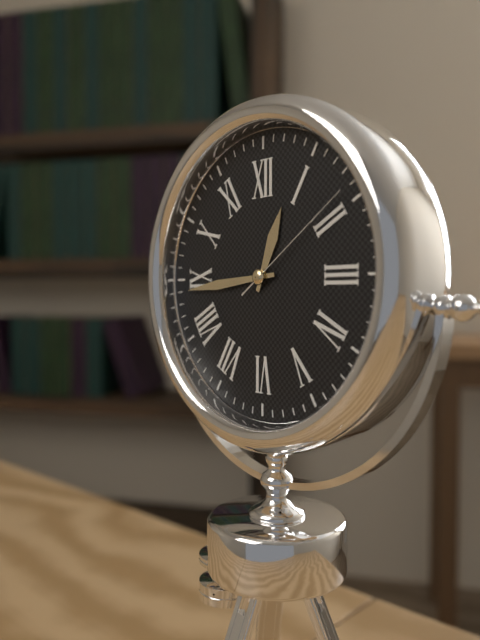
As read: 12h44m09s
